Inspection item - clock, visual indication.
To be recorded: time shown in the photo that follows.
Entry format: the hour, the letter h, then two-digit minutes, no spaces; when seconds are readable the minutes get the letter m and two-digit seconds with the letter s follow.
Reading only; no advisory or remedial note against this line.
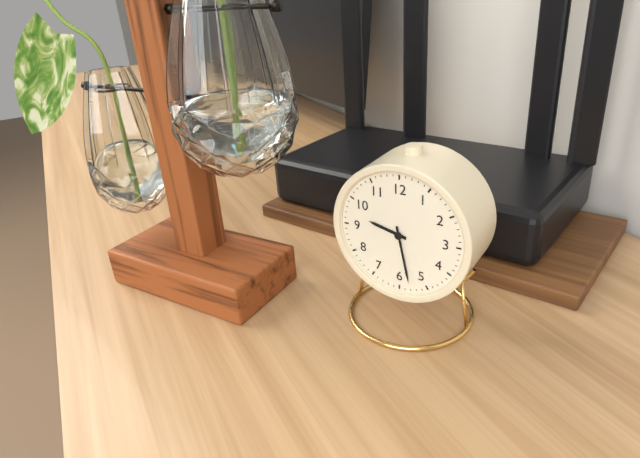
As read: 9h28
